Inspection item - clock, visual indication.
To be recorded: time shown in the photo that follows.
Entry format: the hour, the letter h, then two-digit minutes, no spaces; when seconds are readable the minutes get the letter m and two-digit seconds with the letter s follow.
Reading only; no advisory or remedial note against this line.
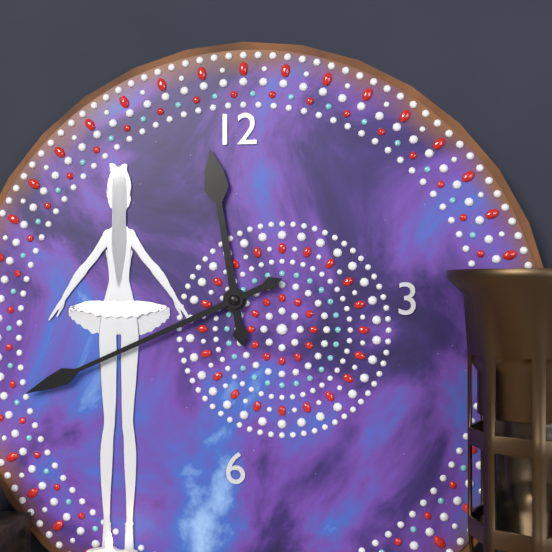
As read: 11h41
